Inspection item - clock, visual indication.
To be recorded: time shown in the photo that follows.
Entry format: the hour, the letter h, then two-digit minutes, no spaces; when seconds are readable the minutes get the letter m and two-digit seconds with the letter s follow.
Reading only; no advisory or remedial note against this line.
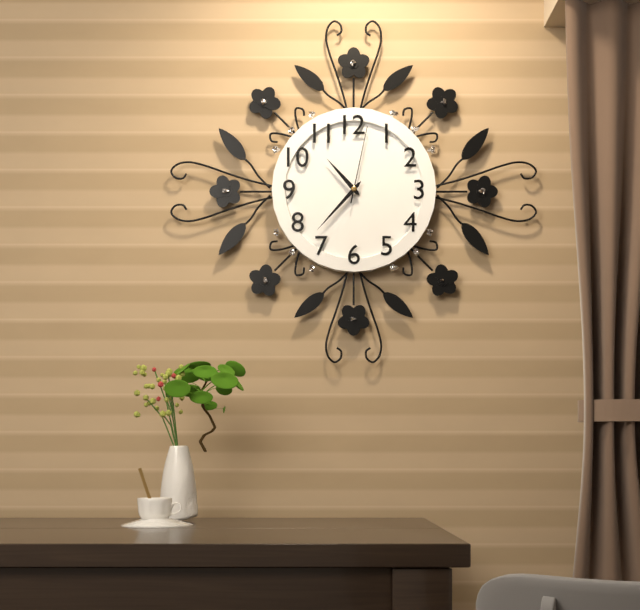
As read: 10h37m02s
